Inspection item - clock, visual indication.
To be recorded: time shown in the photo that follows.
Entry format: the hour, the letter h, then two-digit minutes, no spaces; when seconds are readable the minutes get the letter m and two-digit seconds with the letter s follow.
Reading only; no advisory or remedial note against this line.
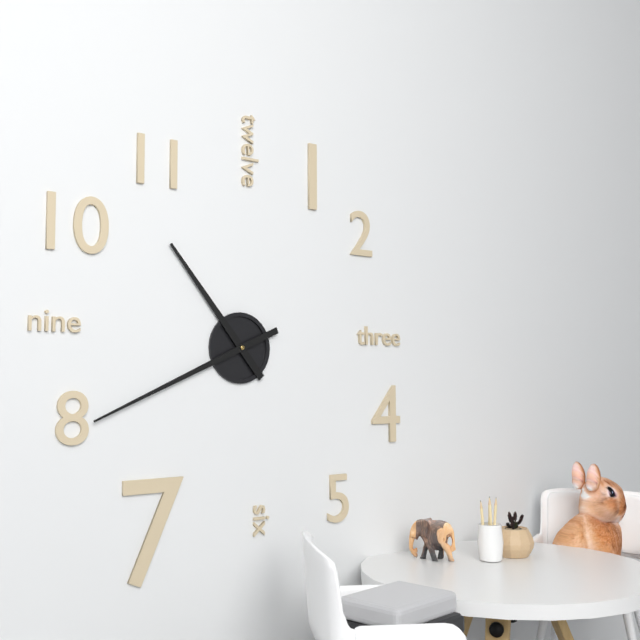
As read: 10h41
